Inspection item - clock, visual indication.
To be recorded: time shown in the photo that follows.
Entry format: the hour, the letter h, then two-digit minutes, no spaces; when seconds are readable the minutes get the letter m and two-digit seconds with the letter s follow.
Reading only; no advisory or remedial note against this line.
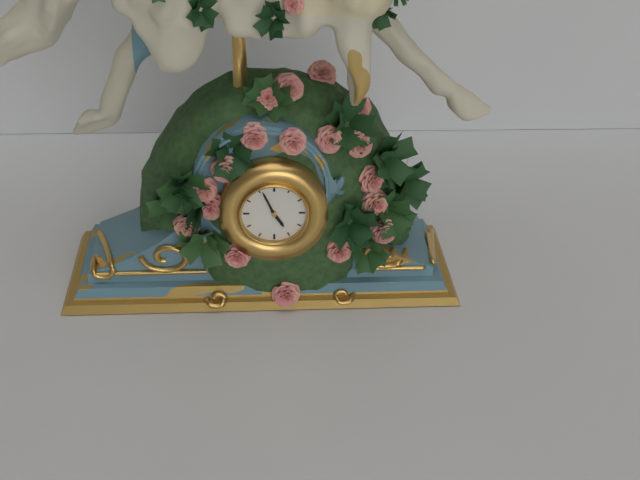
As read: 4h56
